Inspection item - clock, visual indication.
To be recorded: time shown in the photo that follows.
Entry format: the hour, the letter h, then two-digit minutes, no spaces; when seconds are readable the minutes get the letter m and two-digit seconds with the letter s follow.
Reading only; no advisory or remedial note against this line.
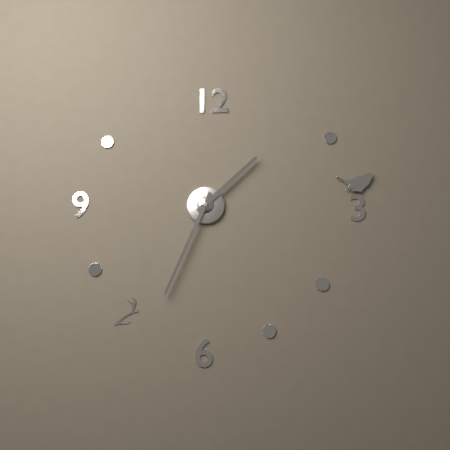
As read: 1h34
